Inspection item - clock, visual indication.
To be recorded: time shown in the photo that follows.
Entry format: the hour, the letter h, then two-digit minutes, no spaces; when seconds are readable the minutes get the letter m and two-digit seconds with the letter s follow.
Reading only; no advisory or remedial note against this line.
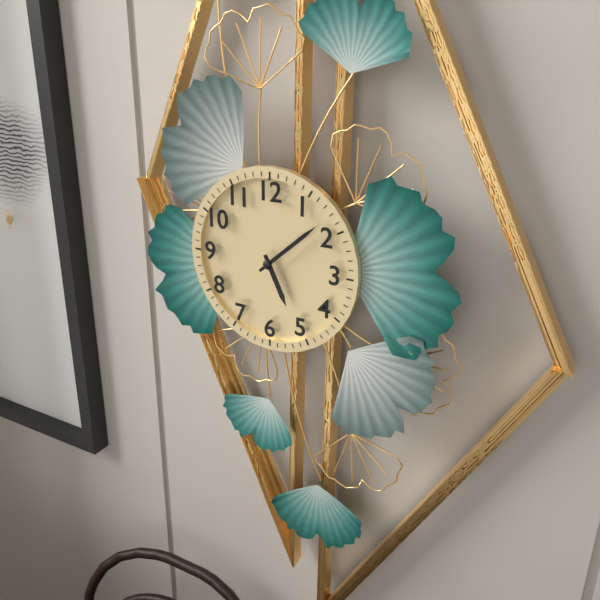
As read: 5h08
